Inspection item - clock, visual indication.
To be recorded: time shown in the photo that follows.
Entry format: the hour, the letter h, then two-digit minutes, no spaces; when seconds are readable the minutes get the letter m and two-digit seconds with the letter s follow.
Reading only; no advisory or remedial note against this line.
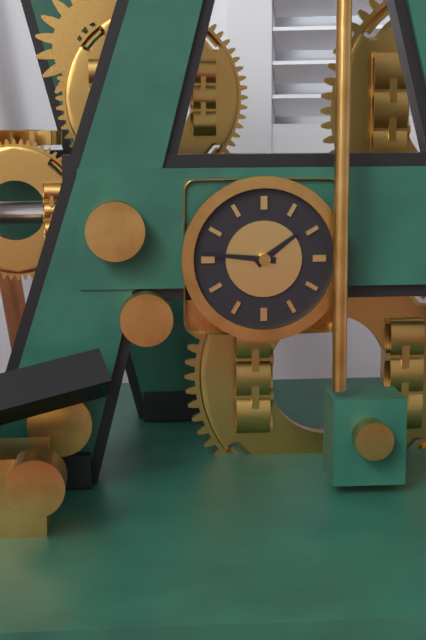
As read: 1h46
